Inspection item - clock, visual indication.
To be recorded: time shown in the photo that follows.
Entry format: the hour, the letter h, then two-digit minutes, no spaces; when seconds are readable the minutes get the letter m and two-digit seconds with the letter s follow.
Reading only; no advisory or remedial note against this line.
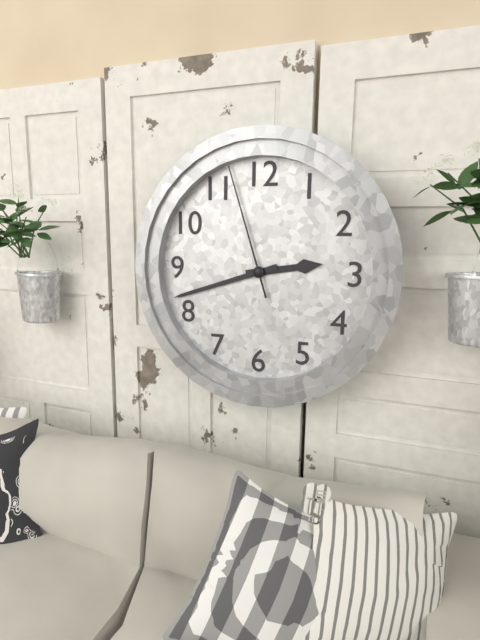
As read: 2h42m57s
